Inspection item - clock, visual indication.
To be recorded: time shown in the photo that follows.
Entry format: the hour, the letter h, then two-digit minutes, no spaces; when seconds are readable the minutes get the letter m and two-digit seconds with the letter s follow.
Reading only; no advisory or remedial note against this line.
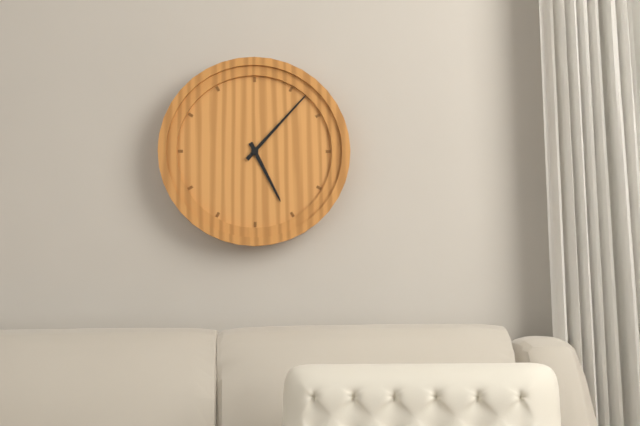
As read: 5h07
